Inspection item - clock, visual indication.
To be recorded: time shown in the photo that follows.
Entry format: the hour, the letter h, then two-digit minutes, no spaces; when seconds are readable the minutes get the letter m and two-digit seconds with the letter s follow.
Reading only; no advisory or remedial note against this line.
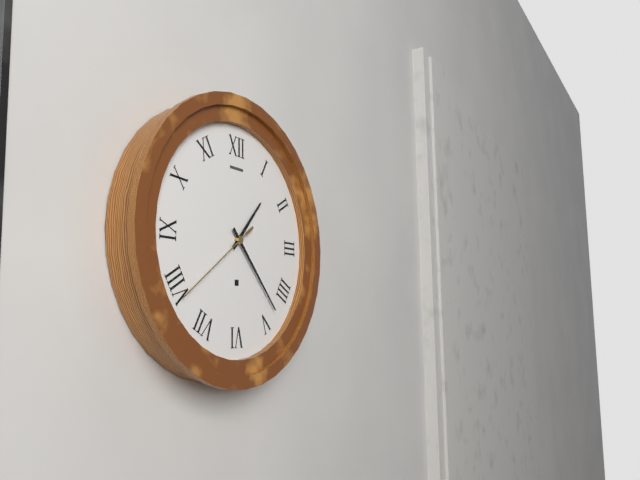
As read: 1h23m39s
